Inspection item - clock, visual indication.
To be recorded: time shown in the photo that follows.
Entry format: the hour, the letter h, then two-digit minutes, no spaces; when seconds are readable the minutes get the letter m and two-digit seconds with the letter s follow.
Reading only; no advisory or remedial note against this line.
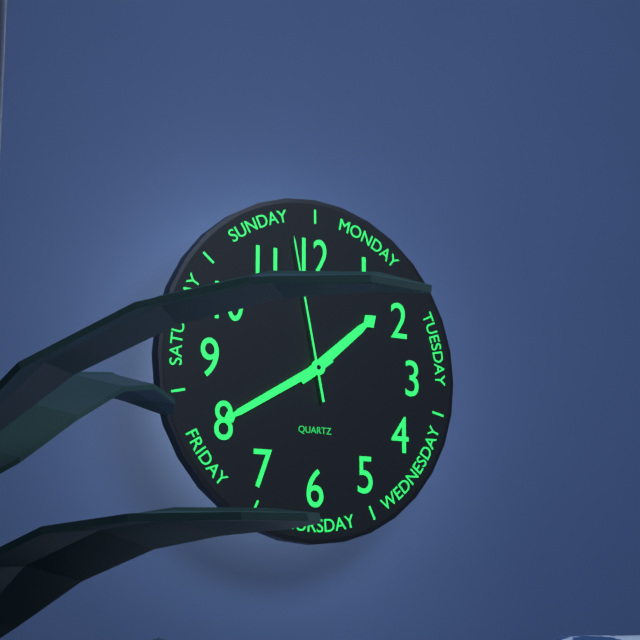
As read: 1h40m58s
